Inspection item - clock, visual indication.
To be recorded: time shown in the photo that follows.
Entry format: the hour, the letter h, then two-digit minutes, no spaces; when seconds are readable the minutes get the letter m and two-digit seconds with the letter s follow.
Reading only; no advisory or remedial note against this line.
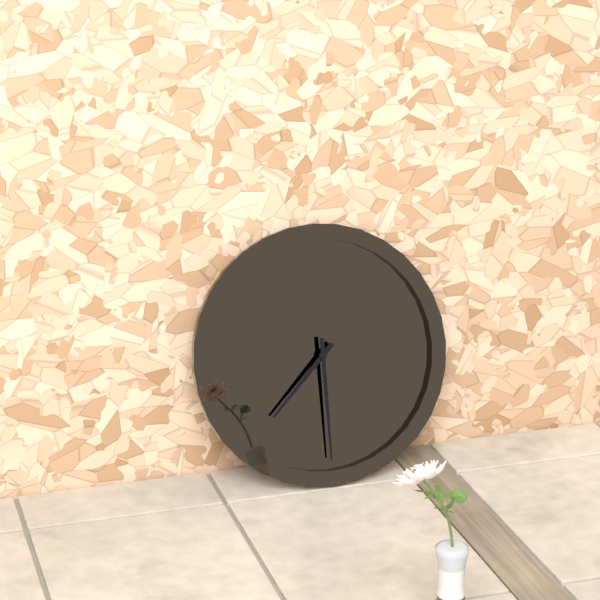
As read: 7h30
